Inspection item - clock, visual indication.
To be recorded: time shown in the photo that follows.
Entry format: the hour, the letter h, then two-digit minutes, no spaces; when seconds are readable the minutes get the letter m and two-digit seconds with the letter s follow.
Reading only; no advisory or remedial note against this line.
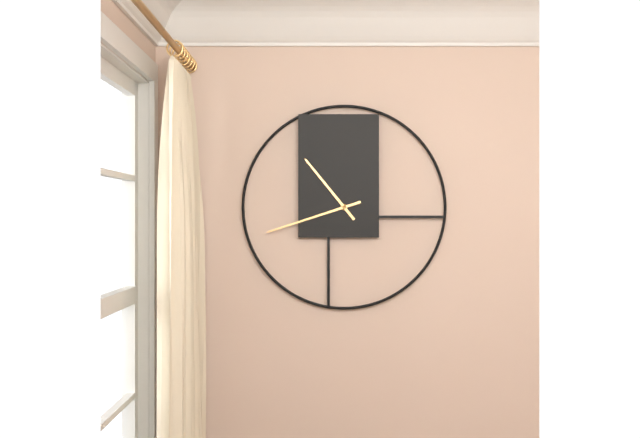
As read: 10h42
